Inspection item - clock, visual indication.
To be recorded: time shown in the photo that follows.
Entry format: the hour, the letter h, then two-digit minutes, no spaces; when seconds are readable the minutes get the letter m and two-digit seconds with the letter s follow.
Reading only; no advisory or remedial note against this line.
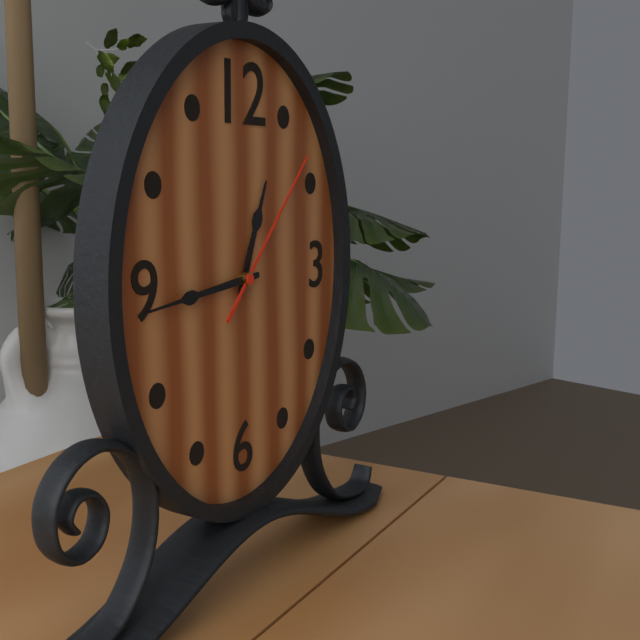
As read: 12h44m07s
